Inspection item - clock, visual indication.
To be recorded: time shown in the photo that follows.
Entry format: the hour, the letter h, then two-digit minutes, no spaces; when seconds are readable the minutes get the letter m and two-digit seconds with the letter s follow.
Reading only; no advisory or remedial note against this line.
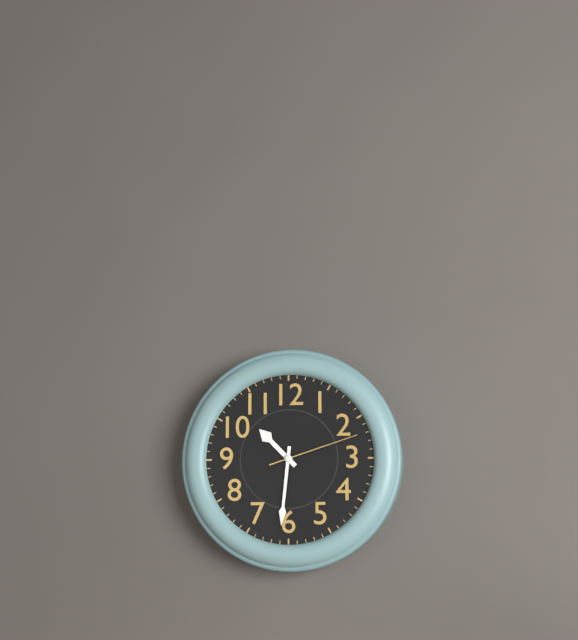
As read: 10h31m12s
